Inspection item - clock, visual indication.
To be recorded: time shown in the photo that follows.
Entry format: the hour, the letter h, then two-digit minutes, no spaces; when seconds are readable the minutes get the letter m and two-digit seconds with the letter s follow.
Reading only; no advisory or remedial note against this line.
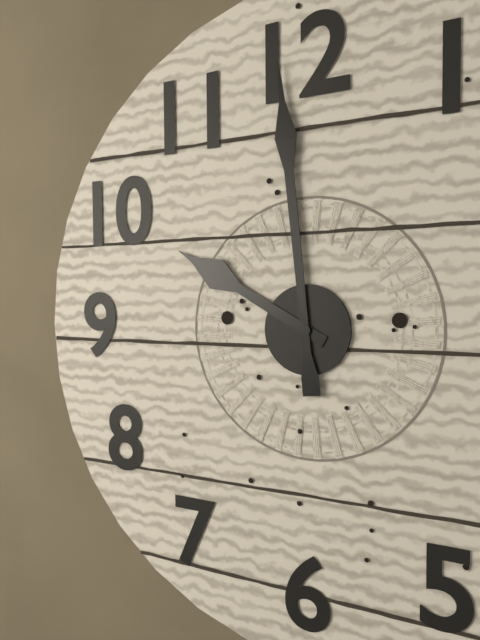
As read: 9h59
